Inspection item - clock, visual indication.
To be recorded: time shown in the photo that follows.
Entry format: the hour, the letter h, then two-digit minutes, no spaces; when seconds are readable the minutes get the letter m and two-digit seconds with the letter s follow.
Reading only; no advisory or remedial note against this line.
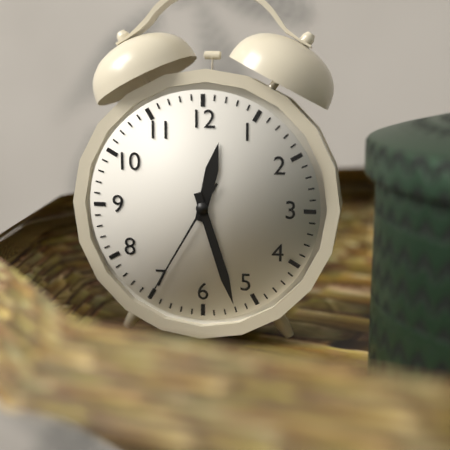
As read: 12h27m35s
